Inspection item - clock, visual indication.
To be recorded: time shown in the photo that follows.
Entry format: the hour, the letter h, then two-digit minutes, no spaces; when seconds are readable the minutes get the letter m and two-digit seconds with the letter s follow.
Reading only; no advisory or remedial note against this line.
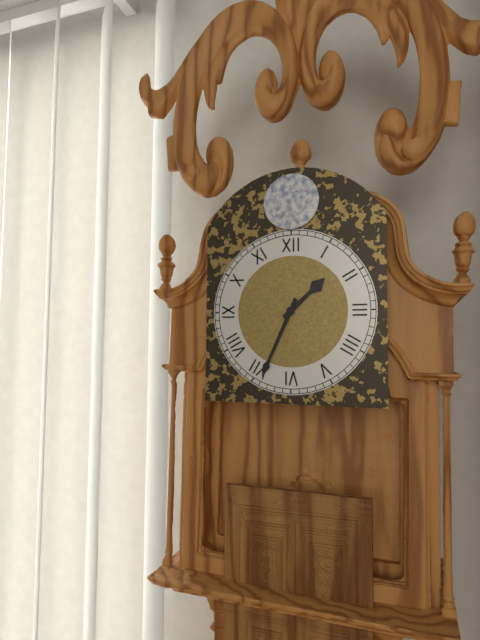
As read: 1h34
